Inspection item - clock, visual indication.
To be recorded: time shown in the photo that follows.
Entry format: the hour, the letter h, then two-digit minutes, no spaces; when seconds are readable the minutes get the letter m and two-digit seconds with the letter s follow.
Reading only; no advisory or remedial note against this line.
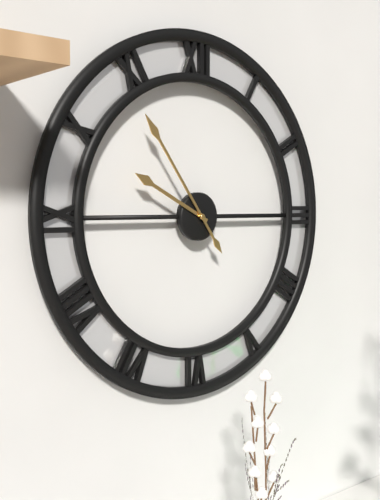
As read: 9h54
